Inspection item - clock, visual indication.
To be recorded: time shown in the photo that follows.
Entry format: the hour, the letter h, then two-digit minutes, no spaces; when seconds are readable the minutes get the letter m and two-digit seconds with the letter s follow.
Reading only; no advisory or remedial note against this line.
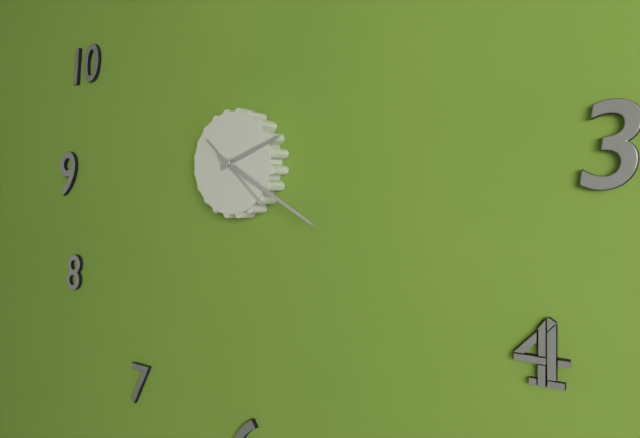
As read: 2h20m22s
